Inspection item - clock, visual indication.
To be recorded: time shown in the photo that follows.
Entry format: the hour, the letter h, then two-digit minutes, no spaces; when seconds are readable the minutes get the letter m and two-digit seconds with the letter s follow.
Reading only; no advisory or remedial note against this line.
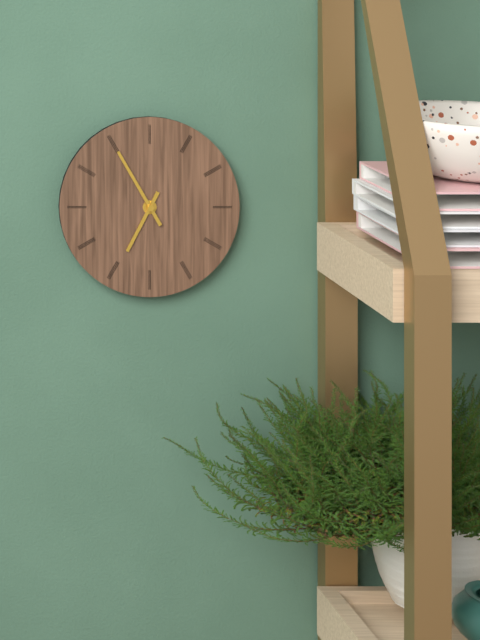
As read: 6h55
